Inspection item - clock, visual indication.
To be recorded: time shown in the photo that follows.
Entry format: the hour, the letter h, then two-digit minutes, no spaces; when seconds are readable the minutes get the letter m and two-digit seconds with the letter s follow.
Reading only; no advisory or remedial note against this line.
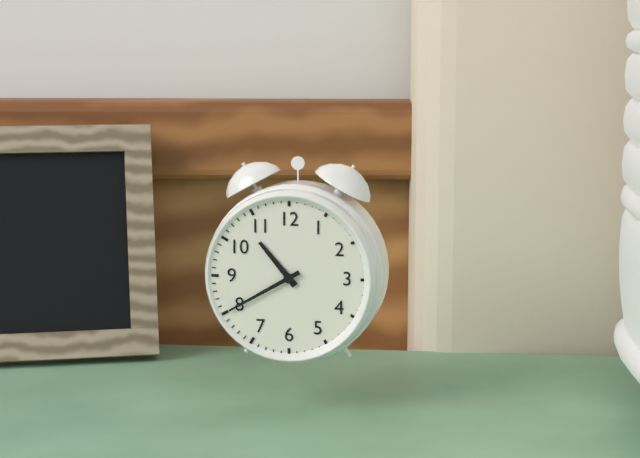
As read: 10h40
